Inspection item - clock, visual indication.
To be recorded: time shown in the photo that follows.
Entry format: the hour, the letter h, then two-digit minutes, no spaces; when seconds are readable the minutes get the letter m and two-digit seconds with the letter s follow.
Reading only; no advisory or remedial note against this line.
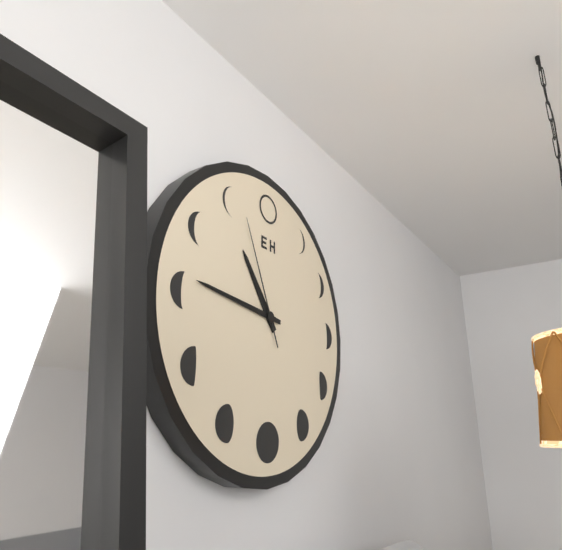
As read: 10h46m56s
